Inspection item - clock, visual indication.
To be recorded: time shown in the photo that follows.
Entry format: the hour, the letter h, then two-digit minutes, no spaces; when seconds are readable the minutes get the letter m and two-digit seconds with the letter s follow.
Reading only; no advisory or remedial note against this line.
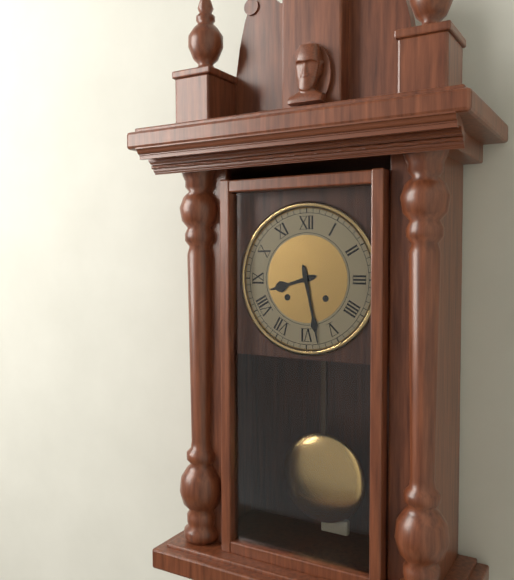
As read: 8h28
